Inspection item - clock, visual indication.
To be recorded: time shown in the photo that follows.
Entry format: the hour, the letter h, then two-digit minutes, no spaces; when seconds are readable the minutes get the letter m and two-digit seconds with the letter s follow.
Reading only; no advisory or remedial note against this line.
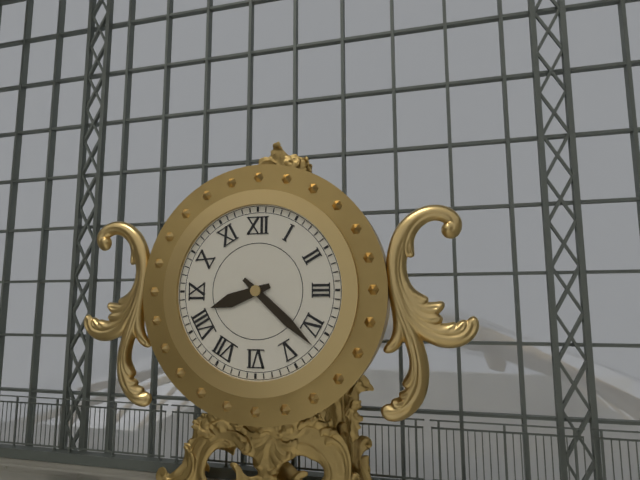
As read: 8h22
